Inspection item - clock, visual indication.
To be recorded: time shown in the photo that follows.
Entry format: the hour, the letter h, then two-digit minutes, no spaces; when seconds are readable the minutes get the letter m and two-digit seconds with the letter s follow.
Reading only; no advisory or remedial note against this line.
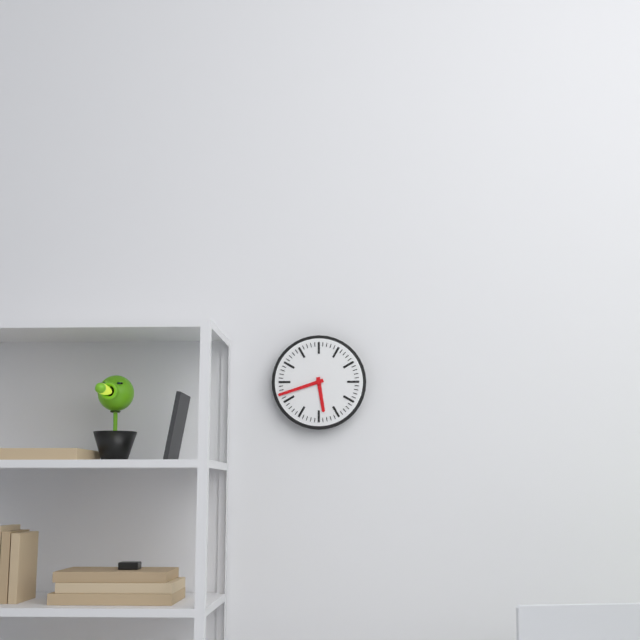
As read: 5h42
